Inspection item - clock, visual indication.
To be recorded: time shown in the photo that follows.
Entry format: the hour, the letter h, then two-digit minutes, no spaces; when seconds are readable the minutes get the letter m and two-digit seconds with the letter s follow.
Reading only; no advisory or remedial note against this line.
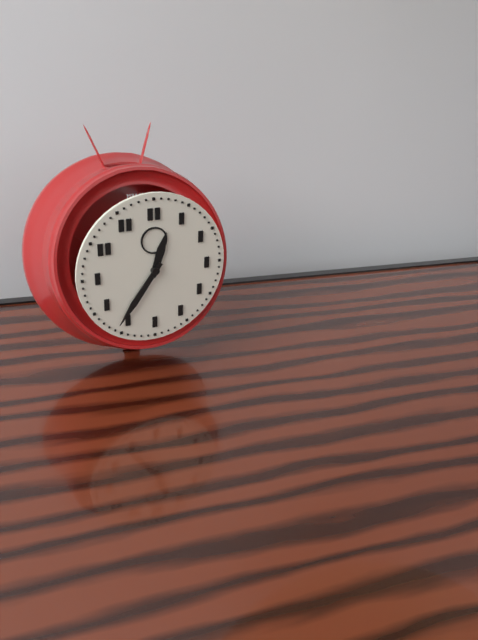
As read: 12h36
